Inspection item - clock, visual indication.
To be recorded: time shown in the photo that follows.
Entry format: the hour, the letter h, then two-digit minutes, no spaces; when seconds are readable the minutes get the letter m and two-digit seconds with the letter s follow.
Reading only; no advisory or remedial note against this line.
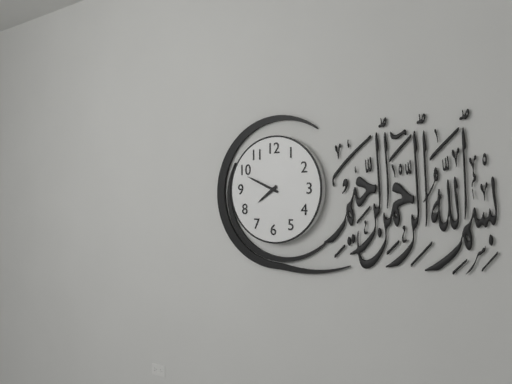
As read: 7h49
